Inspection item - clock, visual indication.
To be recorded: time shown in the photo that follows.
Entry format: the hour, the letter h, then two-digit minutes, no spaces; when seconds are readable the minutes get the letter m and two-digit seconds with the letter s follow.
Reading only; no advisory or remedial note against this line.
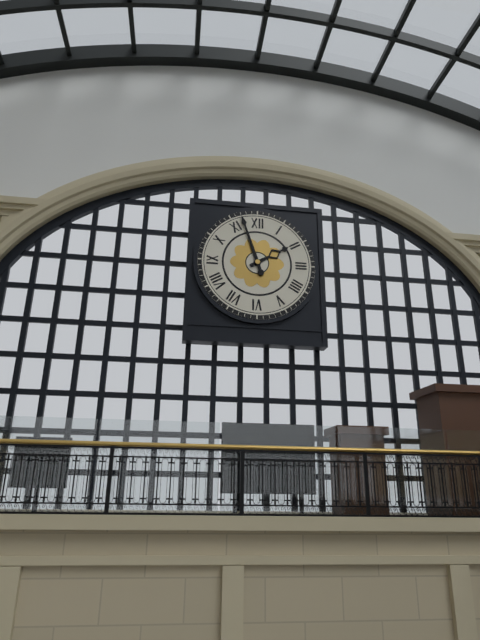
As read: 1h57
